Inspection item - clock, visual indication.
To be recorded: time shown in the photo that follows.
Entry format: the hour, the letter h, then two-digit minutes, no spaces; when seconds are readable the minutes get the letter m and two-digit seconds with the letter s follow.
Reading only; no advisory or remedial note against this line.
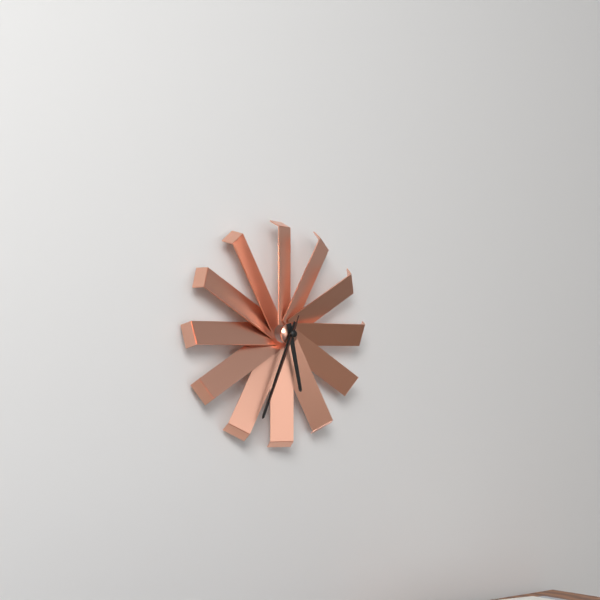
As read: 5h34m34s
